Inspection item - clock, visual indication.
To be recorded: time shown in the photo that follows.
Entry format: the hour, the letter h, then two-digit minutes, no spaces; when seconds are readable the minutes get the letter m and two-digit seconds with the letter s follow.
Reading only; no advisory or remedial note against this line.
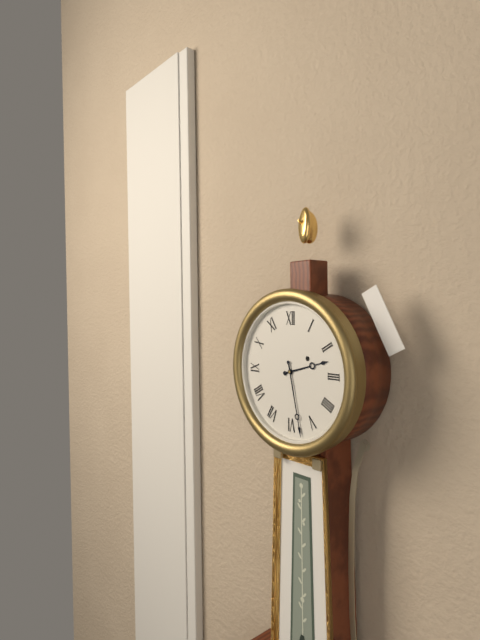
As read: 2h28
